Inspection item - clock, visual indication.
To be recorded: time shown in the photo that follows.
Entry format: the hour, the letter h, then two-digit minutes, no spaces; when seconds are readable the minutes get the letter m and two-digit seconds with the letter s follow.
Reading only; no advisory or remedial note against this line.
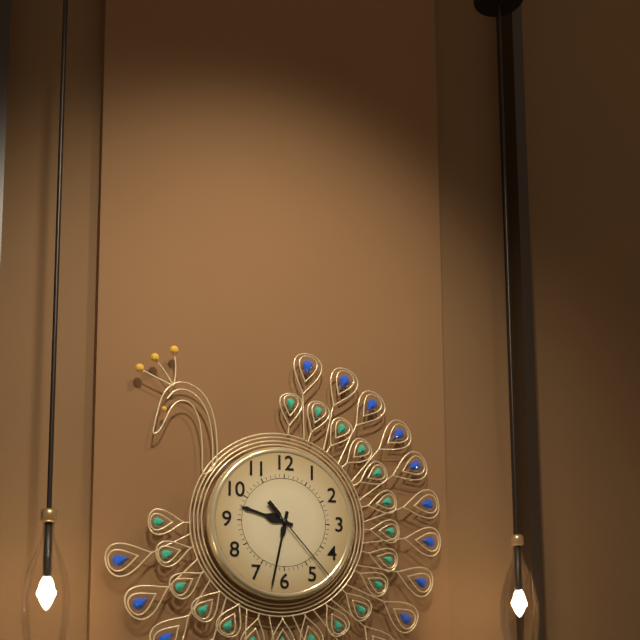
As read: 9h32m23s
